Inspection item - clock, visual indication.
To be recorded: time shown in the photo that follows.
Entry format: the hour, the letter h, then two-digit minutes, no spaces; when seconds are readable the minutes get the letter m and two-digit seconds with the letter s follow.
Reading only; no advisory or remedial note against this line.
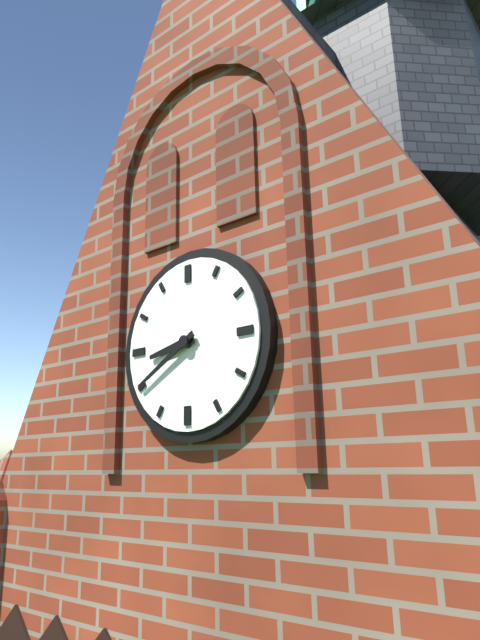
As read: 8h40
